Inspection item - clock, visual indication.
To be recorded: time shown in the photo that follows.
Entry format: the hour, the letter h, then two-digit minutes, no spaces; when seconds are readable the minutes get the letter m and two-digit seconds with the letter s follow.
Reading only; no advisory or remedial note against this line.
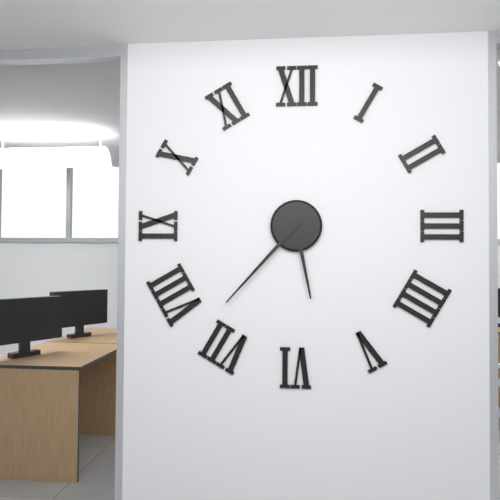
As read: 5h37
